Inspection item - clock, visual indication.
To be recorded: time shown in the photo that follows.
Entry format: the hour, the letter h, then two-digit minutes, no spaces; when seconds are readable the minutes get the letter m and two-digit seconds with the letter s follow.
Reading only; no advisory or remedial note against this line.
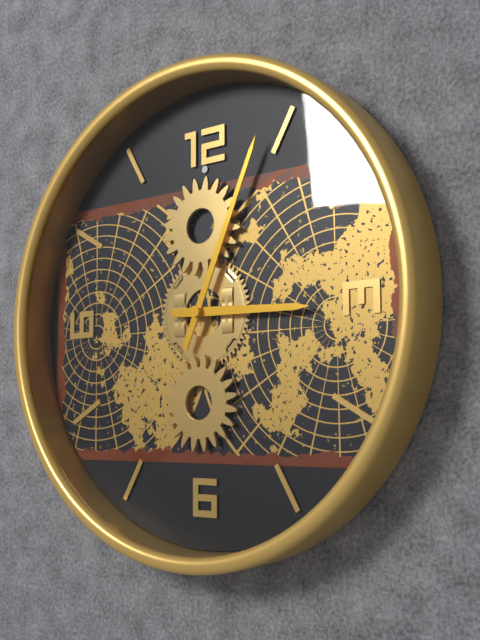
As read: 3h04
